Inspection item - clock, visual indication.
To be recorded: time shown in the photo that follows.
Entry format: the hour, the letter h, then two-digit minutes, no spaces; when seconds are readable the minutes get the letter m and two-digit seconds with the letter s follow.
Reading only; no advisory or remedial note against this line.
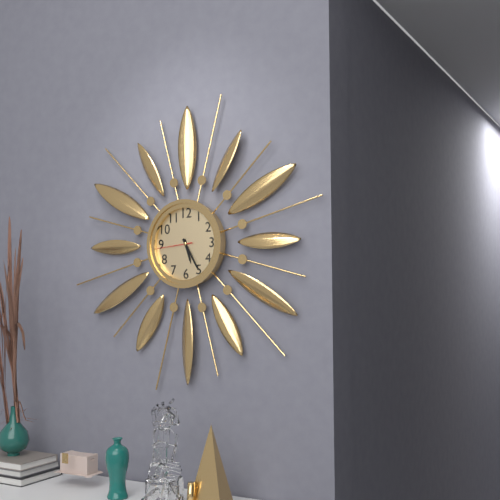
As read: 5h25
